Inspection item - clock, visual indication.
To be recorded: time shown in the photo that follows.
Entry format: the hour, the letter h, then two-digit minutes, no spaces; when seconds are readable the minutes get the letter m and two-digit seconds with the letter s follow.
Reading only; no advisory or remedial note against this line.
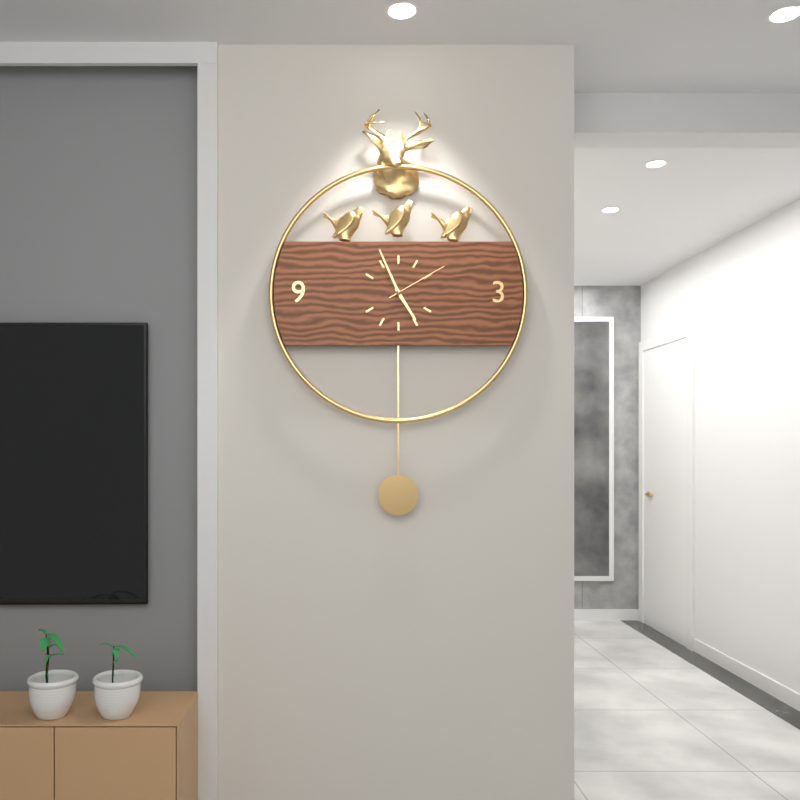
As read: 4h56m10s
